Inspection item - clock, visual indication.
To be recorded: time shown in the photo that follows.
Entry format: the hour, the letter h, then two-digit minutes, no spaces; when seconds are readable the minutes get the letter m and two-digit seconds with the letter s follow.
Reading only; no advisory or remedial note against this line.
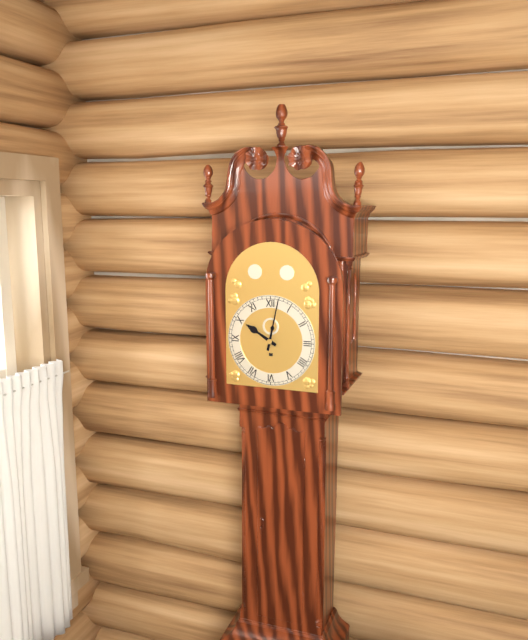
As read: 10h02
